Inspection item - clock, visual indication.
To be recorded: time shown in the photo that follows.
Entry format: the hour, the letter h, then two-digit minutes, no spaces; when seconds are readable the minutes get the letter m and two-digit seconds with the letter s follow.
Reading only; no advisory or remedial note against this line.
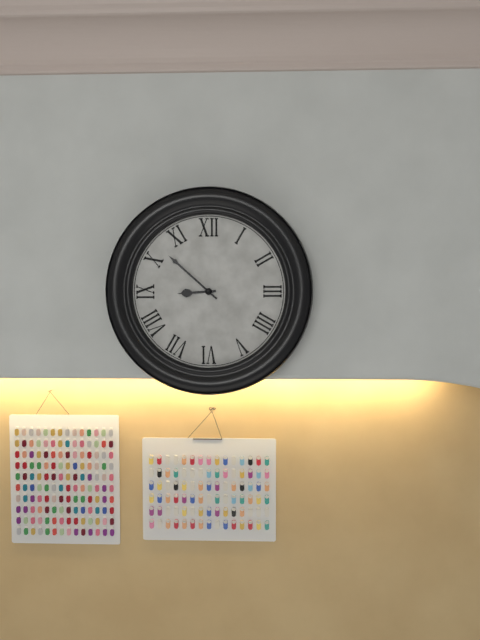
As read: 8h52
